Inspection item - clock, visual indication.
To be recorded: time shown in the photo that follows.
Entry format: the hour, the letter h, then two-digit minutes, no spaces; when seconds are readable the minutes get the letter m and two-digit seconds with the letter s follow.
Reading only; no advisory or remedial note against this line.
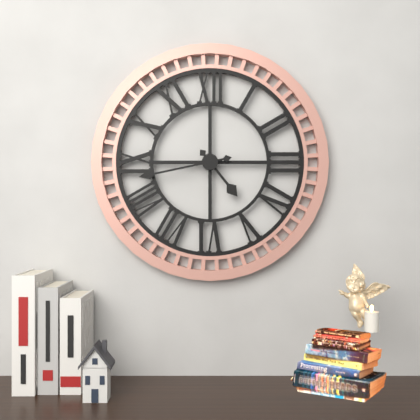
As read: 4h43
